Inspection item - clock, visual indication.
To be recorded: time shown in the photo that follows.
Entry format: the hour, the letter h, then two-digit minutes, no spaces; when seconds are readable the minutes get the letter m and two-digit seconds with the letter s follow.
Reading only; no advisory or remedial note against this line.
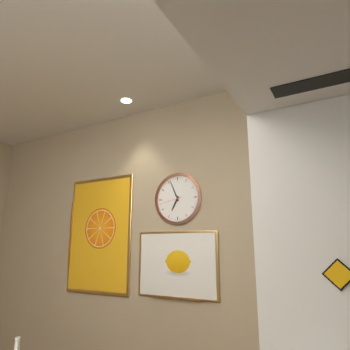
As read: 6h56
